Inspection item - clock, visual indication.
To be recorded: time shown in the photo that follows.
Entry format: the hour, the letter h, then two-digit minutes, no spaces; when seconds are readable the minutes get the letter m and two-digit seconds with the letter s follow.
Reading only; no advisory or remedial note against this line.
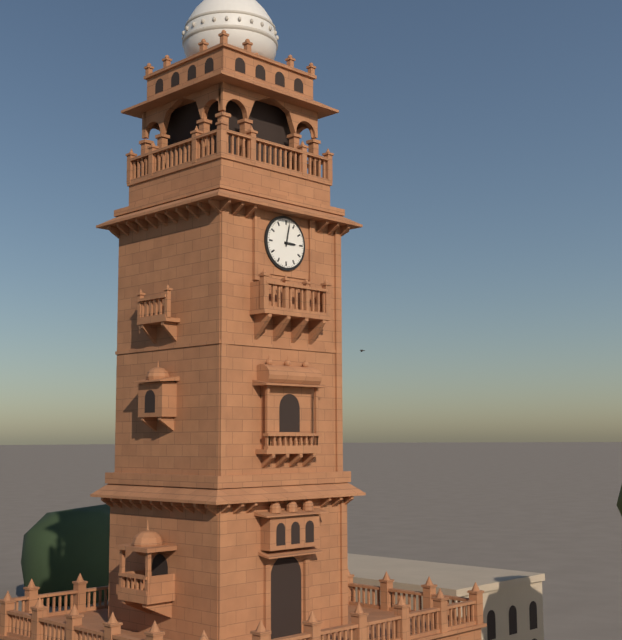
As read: 3h02
